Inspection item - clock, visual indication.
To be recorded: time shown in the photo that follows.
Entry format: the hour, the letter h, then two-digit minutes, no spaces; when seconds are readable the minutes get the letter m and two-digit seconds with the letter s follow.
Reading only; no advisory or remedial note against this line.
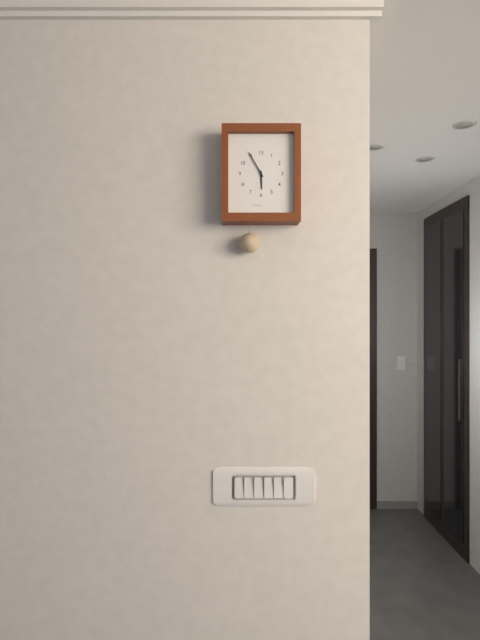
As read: 5h55
